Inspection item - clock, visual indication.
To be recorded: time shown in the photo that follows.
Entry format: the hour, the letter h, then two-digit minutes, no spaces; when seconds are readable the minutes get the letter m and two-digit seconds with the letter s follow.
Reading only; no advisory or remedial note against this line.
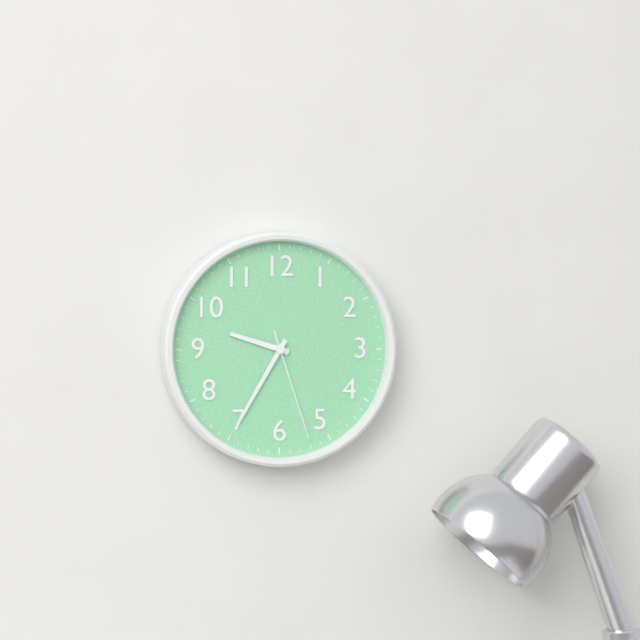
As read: 9h35m27s
